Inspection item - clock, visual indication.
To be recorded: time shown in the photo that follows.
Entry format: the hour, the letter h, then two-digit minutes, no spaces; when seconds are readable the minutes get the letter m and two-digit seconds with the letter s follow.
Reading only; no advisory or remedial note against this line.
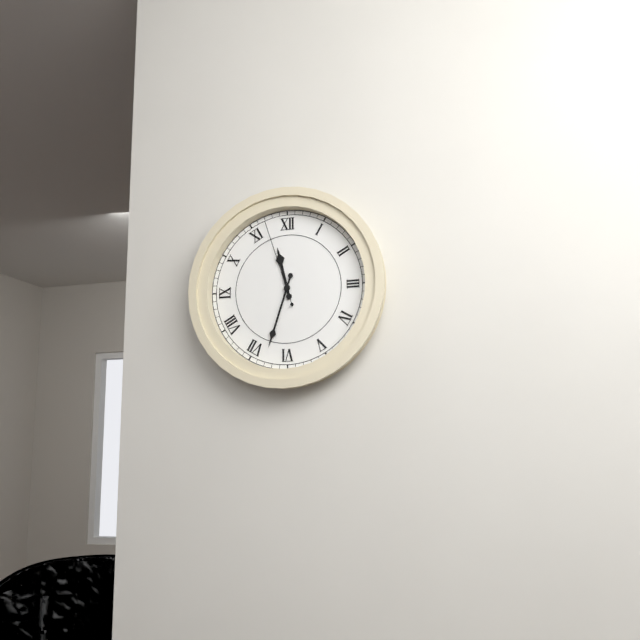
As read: 11h33m57s
